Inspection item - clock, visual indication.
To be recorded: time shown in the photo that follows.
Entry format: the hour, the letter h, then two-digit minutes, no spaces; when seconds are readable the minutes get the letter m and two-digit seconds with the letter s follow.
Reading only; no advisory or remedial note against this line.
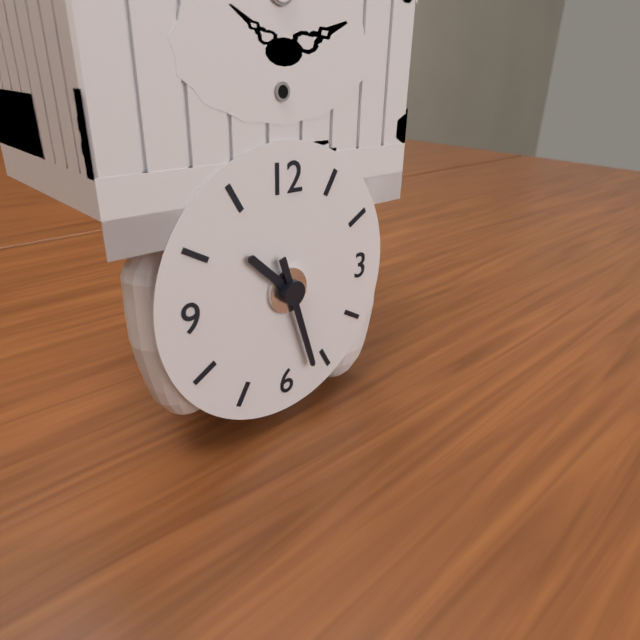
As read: 10h27
